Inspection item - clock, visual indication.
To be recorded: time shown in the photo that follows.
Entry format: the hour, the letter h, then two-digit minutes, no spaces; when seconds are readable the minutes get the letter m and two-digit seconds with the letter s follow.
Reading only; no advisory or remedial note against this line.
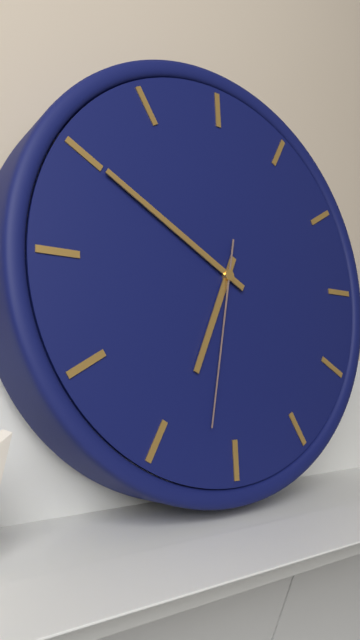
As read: 6h50m32s
